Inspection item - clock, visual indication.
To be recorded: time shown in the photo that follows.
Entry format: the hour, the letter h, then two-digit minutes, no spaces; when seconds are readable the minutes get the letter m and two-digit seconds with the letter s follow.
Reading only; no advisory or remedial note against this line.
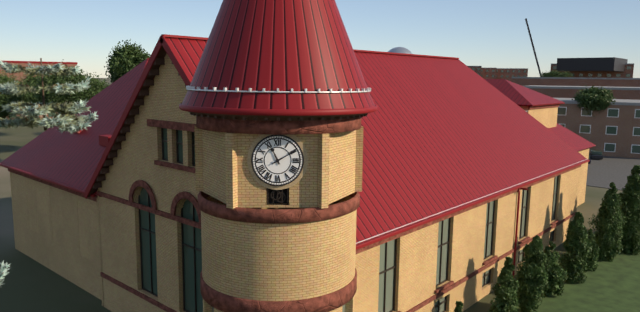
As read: 11h10
